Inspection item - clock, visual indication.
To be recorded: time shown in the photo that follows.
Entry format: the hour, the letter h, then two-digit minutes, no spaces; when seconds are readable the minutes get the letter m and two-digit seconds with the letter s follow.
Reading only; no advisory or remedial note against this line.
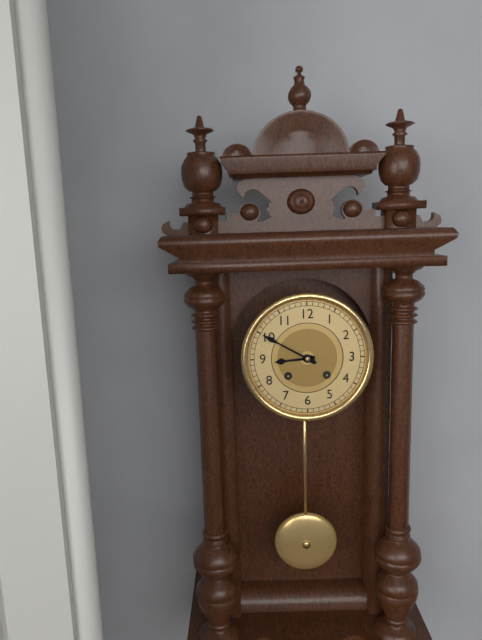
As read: 8h50
